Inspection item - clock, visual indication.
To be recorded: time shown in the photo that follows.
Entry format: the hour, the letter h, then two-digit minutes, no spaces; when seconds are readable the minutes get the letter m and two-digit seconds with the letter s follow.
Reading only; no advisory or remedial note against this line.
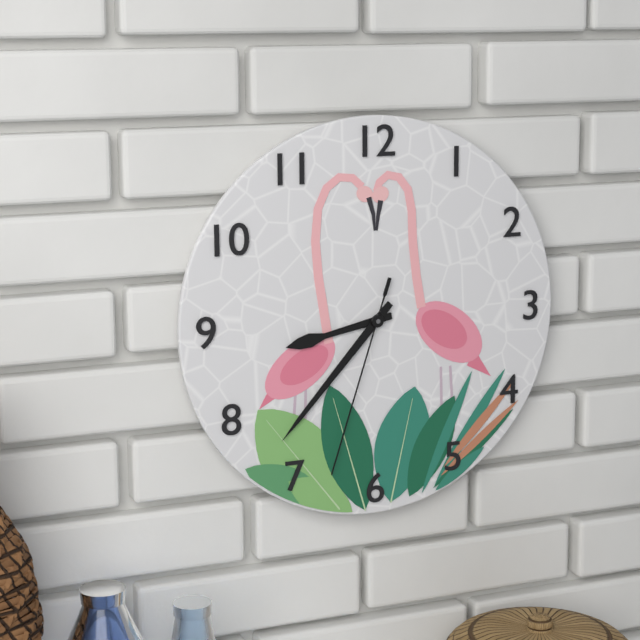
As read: 8h37m33s
